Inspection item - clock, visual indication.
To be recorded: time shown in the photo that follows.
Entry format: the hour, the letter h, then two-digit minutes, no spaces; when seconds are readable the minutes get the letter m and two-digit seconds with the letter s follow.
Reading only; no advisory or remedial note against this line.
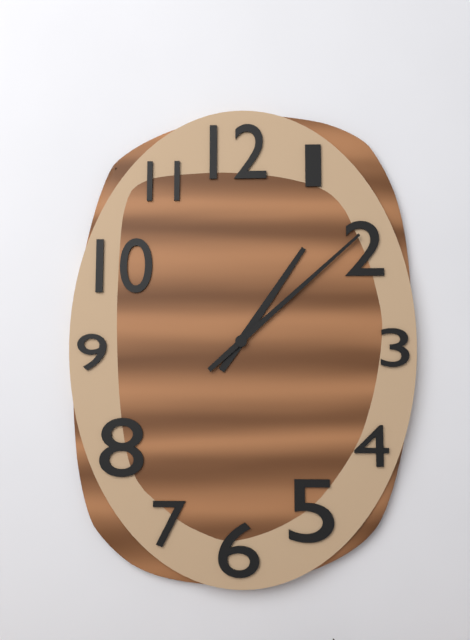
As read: 1h08
